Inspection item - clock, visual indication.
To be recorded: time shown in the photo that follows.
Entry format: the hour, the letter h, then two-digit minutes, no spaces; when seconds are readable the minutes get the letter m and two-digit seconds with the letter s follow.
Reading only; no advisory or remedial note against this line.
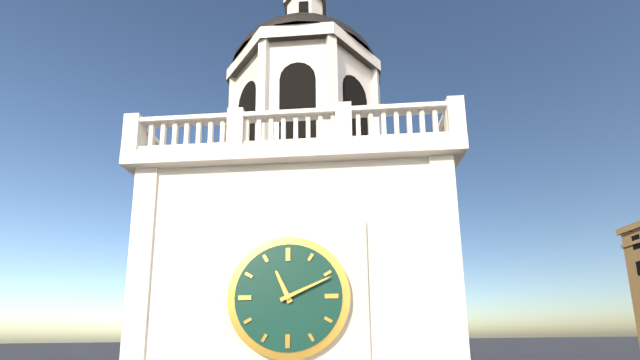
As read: 11h11
